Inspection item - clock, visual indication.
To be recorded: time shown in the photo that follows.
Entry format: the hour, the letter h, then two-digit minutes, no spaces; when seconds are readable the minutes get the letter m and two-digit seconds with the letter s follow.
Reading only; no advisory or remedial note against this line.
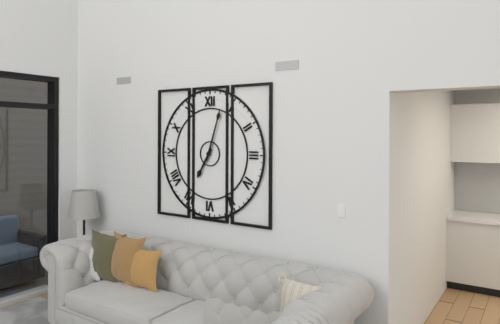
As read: 7h03
